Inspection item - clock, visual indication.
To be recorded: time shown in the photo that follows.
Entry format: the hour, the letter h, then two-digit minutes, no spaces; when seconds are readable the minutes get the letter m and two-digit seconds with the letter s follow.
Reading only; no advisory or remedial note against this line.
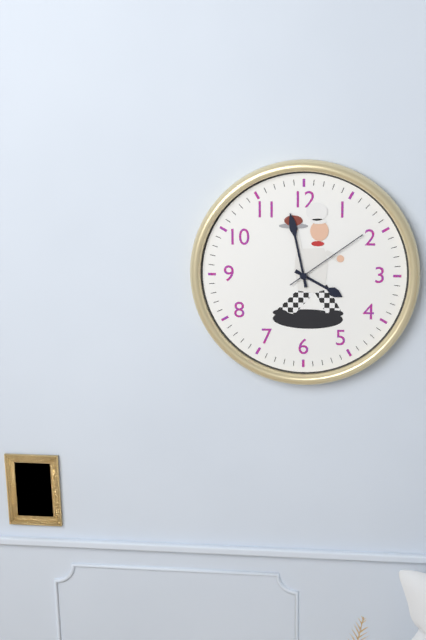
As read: 3h58m09s
